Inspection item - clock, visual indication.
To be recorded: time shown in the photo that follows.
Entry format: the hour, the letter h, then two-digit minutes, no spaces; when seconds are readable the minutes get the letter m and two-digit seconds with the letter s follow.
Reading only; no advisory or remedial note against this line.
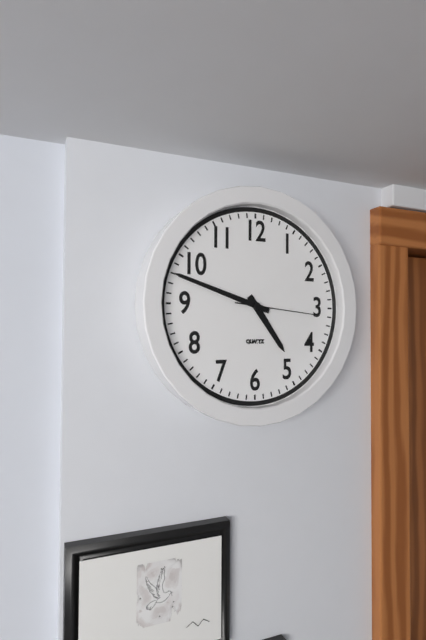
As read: 4h48m16s
